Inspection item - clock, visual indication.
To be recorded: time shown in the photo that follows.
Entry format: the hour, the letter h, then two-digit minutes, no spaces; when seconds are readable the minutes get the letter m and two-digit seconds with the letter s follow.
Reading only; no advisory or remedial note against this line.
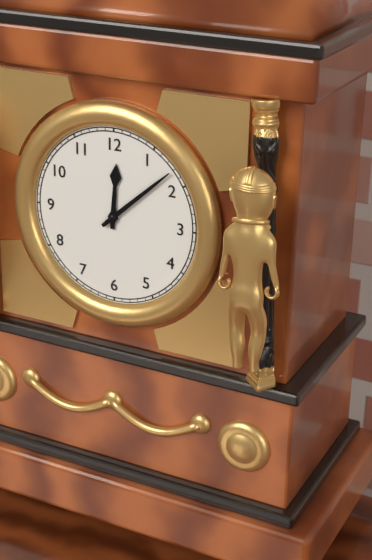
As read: 12h08
